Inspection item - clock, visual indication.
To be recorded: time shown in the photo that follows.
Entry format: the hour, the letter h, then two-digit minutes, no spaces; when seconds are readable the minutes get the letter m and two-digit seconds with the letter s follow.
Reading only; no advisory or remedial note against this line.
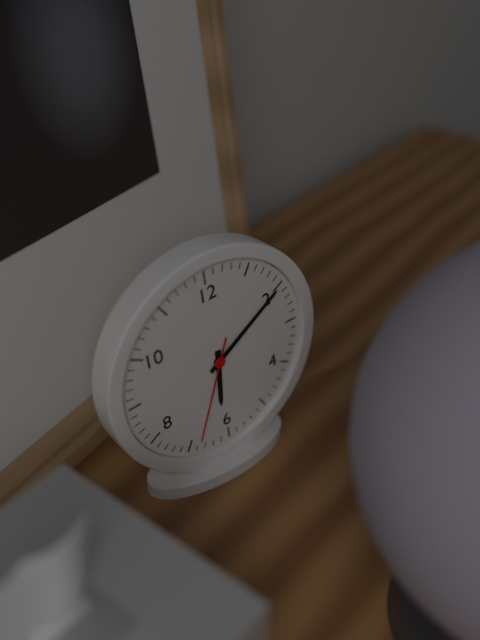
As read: 6h10m34s
